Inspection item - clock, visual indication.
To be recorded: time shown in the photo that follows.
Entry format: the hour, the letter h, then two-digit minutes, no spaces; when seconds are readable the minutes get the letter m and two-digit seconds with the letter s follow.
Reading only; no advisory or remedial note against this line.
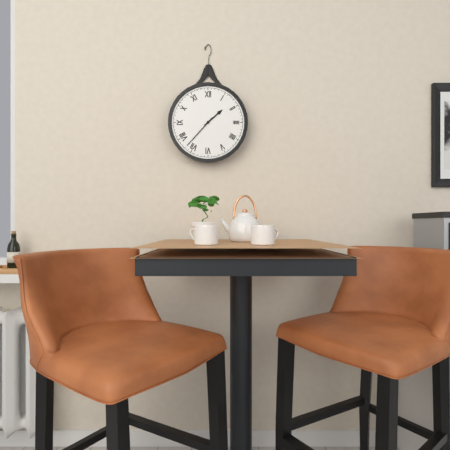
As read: 1h37
